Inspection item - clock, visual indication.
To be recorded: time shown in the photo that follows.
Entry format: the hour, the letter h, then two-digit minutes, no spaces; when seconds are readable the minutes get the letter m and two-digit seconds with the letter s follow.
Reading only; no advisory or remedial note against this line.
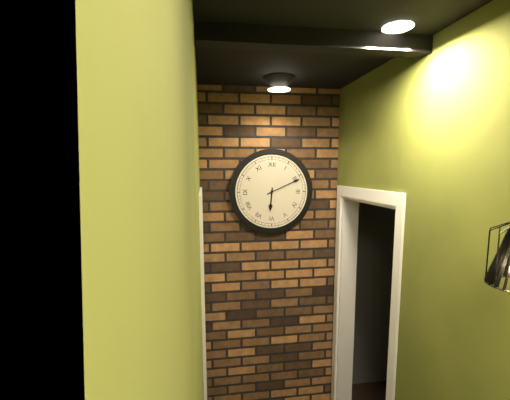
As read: 6h11
